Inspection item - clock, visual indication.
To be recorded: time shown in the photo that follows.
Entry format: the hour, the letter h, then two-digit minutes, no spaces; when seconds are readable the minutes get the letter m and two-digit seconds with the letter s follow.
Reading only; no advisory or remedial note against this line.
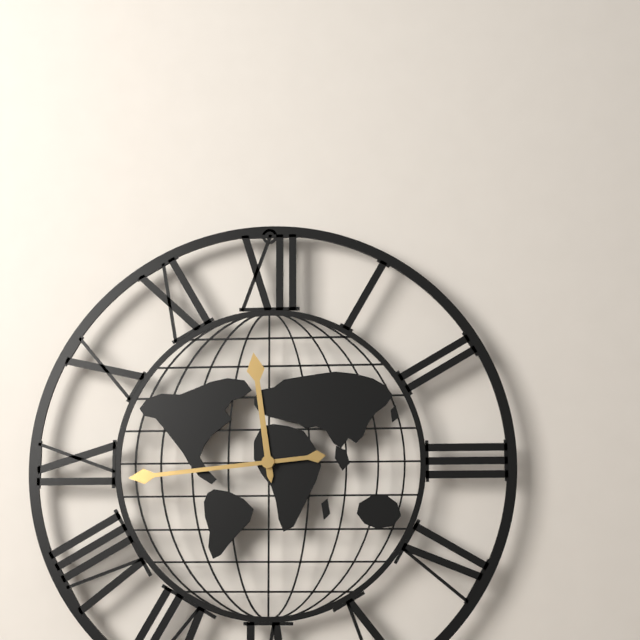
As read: 11h44
